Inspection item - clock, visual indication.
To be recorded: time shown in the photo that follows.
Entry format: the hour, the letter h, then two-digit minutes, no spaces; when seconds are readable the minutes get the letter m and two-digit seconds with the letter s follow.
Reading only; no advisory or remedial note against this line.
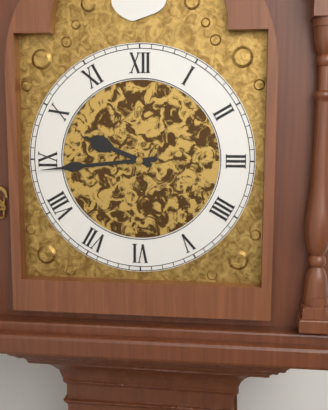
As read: 9h44
